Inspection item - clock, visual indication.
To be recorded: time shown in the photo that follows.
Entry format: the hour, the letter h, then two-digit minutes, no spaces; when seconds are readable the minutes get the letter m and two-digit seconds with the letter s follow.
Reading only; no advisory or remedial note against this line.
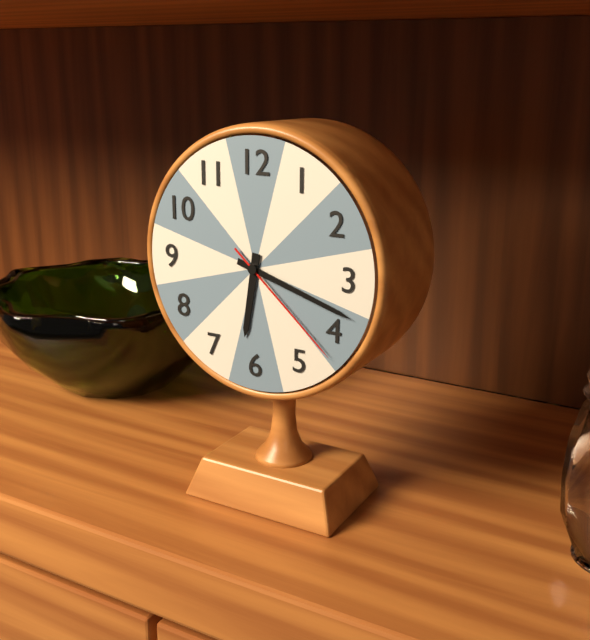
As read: 6h18m22s
